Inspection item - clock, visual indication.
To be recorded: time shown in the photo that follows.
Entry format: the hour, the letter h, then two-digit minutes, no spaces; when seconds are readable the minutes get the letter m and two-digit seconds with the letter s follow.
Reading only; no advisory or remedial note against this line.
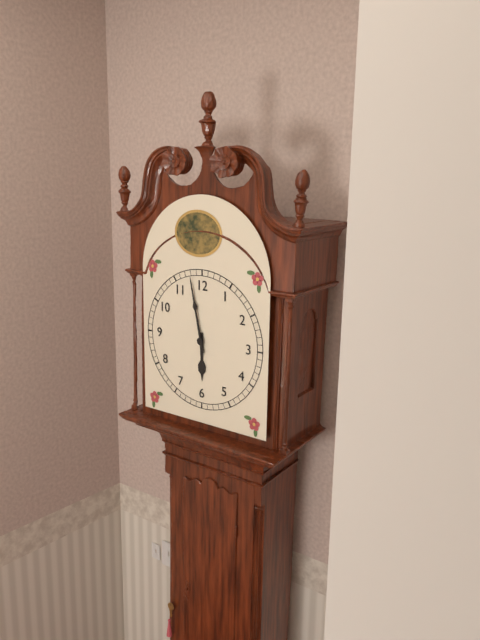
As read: 5h58
